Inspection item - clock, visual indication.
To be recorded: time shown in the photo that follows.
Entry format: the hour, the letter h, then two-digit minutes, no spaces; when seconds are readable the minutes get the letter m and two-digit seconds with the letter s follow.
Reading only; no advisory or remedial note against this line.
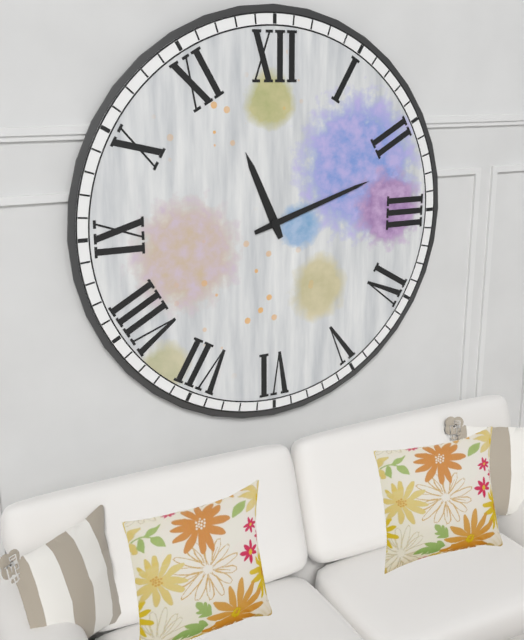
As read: 11h12
